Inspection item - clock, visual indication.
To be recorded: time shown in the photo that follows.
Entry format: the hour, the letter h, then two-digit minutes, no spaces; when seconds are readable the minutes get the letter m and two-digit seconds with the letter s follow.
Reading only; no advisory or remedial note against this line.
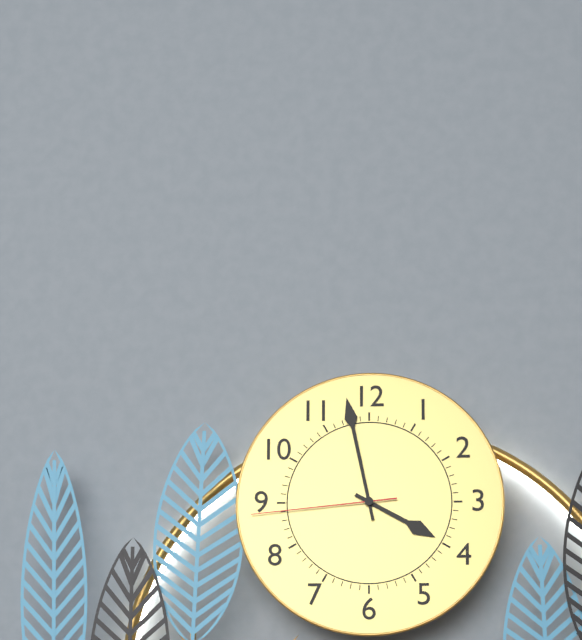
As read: 3h58m44s
